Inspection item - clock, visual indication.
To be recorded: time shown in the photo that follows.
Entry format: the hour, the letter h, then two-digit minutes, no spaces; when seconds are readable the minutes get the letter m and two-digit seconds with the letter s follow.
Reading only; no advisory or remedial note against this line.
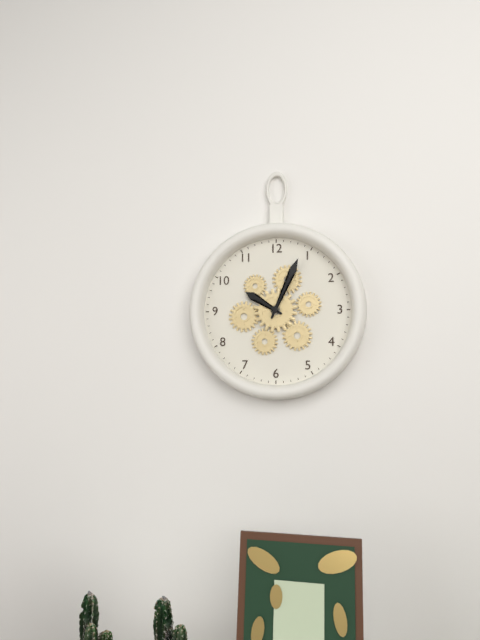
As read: 10h04
